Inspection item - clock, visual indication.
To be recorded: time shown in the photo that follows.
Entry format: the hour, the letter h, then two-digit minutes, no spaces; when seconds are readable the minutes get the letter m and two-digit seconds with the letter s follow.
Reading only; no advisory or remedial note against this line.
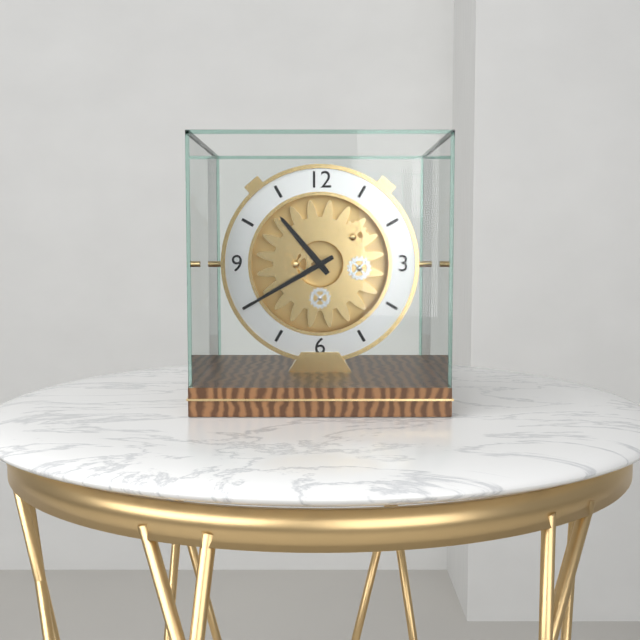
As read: 10h40
